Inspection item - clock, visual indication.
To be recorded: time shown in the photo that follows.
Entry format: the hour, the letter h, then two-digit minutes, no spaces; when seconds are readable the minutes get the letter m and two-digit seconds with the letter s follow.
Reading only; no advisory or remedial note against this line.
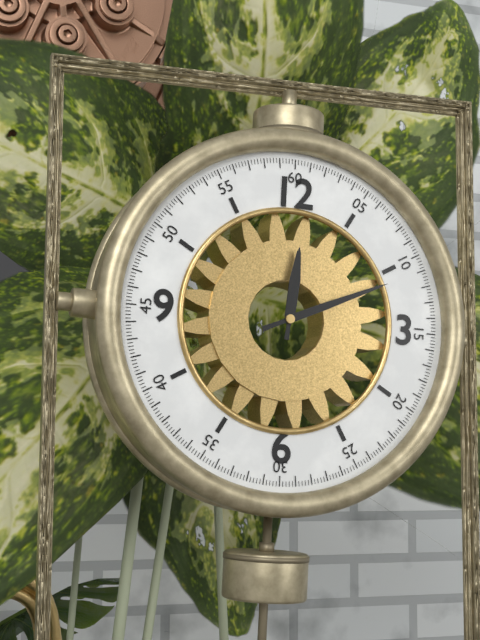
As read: 12h11
